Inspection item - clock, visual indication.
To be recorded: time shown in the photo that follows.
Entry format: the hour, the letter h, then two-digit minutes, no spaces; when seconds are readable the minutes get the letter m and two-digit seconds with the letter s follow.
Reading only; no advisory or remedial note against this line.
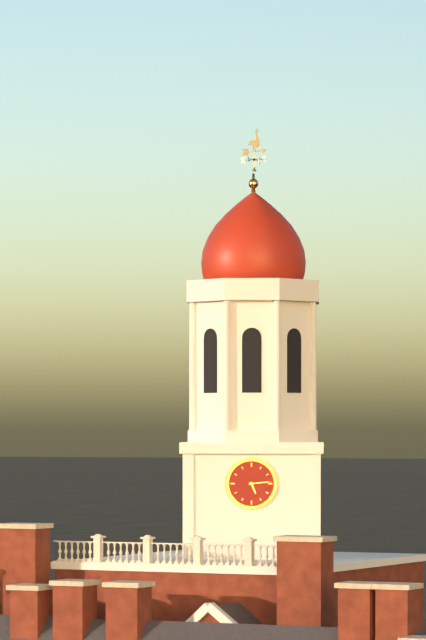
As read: 5h14
